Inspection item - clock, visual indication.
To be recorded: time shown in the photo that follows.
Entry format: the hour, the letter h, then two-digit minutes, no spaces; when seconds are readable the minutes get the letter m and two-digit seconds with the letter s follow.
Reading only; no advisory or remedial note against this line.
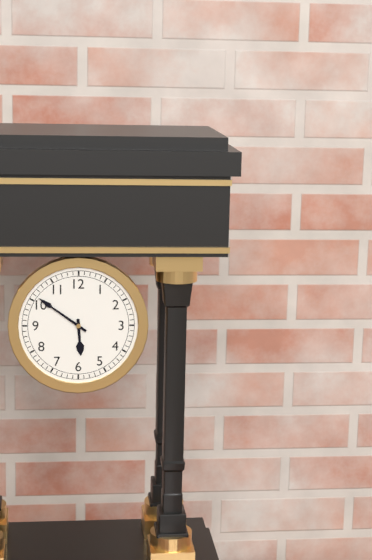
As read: 5h51
